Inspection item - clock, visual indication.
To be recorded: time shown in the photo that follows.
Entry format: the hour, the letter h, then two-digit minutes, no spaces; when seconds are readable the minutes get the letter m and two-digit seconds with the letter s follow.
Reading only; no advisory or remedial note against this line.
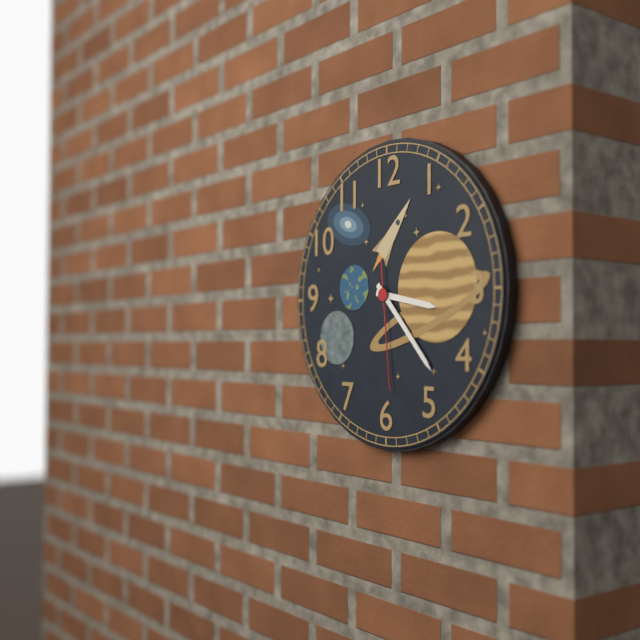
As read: 3h23m29s
